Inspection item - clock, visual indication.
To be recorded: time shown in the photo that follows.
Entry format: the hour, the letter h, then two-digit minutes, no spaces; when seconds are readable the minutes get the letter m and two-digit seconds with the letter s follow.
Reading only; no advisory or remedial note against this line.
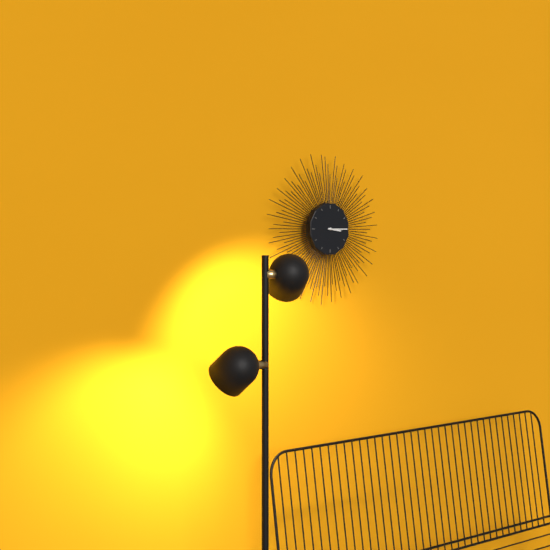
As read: 3h15
